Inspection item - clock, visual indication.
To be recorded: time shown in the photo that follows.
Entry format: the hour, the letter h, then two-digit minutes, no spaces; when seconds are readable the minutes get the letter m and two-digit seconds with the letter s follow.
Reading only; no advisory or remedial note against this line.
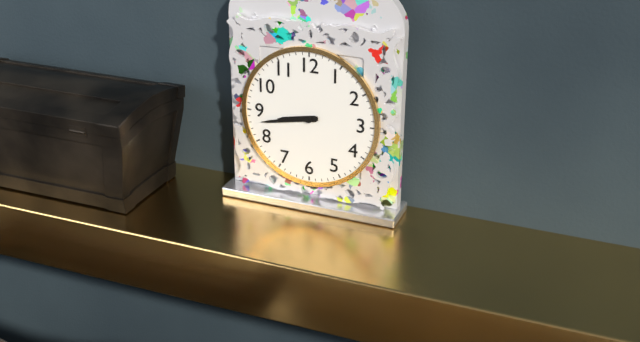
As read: 8h43
